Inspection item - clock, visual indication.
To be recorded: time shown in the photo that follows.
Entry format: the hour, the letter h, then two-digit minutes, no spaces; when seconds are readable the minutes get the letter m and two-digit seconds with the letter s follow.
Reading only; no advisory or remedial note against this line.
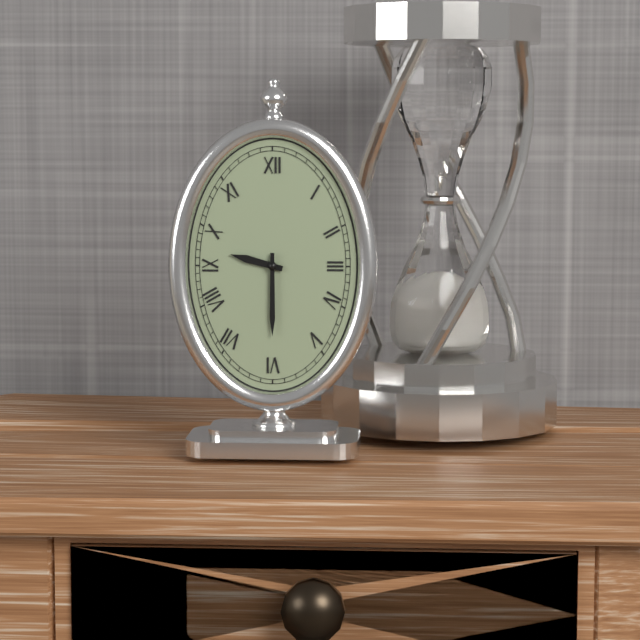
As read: 9h30
